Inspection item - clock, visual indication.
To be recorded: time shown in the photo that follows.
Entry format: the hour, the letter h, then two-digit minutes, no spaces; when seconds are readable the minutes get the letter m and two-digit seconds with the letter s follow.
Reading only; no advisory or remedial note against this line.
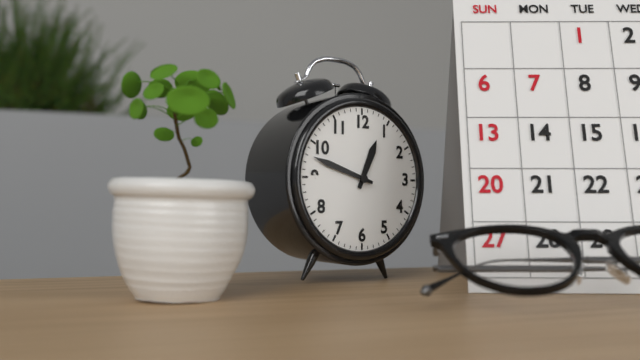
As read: 12h48
